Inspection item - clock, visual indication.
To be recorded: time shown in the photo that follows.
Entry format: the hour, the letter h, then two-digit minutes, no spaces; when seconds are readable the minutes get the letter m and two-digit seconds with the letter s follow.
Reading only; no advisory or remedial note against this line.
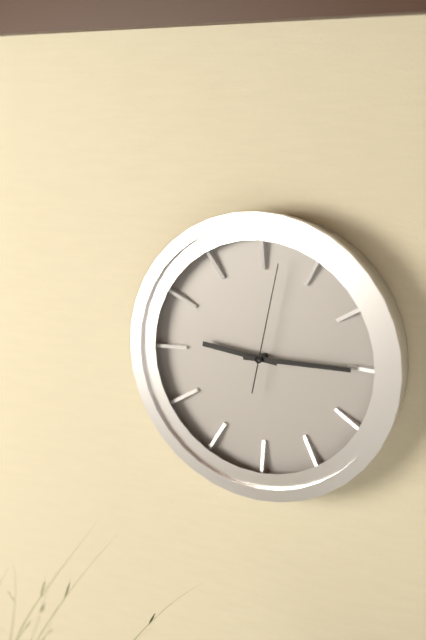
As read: 9h15m02s
